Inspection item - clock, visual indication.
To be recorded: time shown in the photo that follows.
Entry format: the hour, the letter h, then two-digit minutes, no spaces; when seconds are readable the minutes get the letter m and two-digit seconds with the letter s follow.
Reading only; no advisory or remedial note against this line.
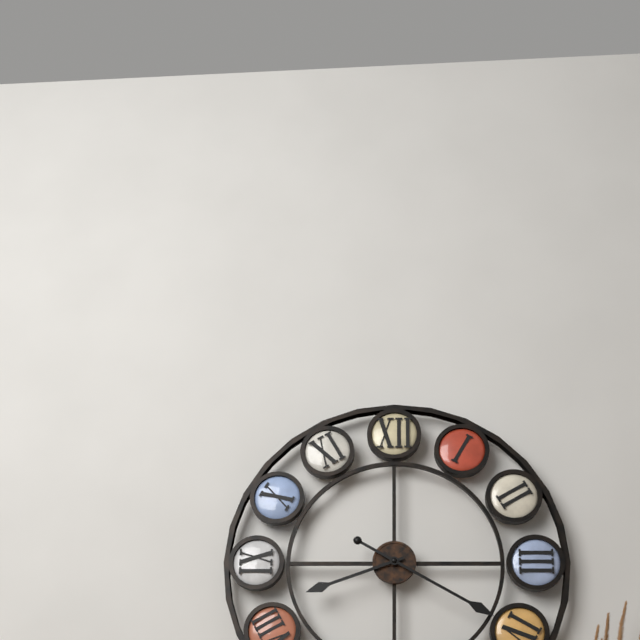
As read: 8h20
